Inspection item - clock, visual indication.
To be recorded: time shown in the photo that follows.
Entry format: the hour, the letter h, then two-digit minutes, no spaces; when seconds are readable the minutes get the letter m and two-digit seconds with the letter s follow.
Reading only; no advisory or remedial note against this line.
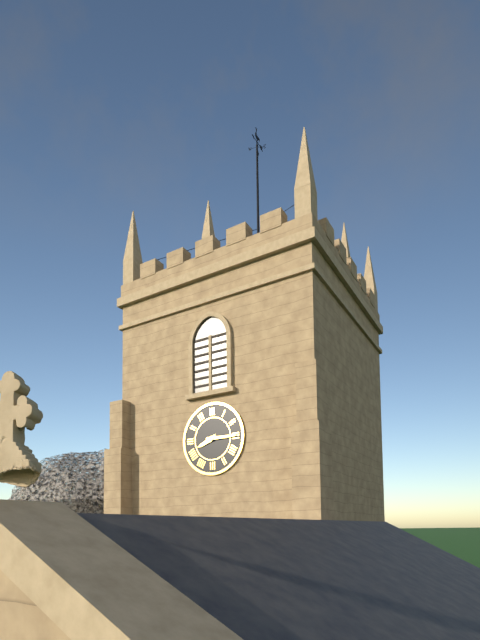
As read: 8h15
